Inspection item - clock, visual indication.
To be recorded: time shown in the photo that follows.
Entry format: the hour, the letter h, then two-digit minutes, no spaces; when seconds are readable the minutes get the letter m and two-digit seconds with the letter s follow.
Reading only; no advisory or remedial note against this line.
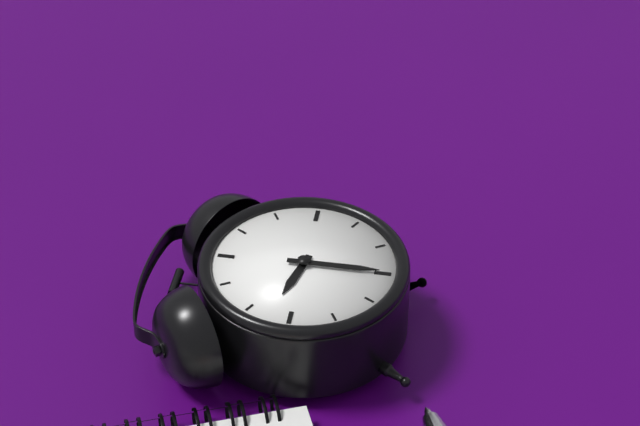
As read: 9h30
